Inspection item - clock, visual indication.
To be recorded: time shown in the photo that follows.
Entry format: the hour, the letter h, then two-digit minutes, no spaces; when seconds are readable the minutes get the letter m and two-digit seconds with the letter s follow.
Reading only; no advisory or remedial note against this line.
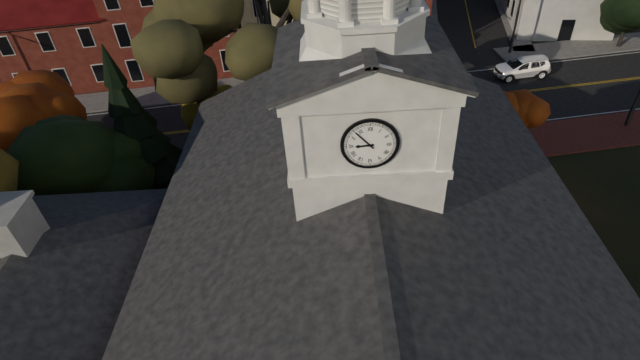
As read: 8h53
